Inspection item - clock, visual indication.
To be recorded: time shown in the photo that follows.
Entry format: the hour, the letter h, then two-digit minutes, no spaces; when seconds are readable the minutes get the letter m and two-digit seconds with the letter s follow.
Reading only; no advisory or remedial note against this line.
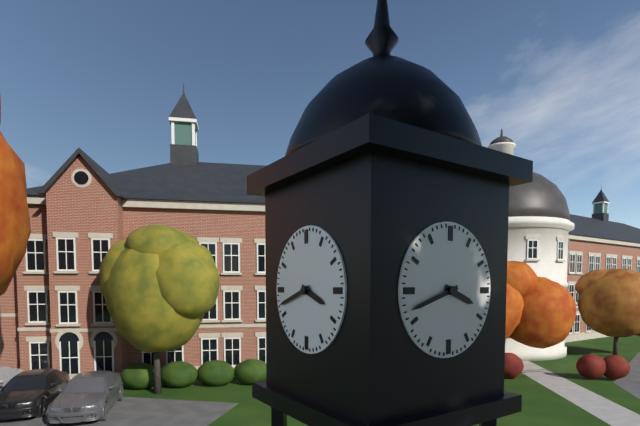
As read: 3h42
